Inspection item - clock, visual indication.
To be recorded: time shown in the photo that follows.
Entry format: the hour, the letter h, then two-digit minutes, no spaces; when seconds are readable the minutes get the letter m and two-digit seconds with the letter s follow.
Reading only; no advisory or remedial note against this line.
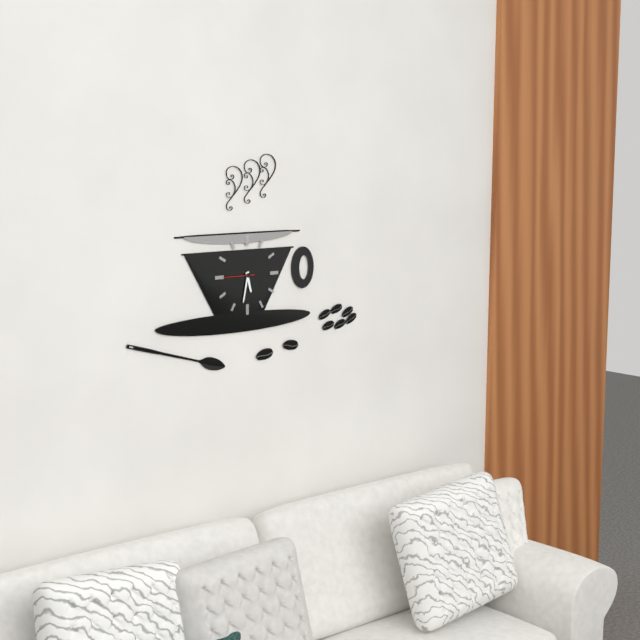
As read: 5h32
